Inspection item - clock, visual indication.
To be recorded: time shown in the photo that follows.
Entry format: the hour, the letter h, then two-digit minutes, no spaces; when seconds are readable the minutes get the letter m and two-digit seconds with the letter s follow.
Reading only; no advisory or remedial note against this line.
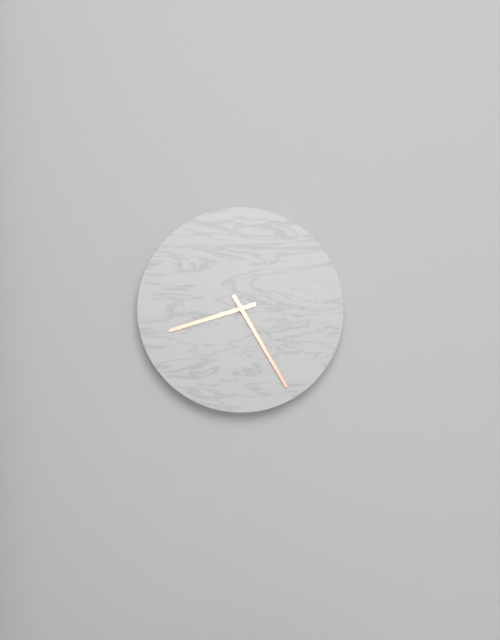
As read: 8h25
